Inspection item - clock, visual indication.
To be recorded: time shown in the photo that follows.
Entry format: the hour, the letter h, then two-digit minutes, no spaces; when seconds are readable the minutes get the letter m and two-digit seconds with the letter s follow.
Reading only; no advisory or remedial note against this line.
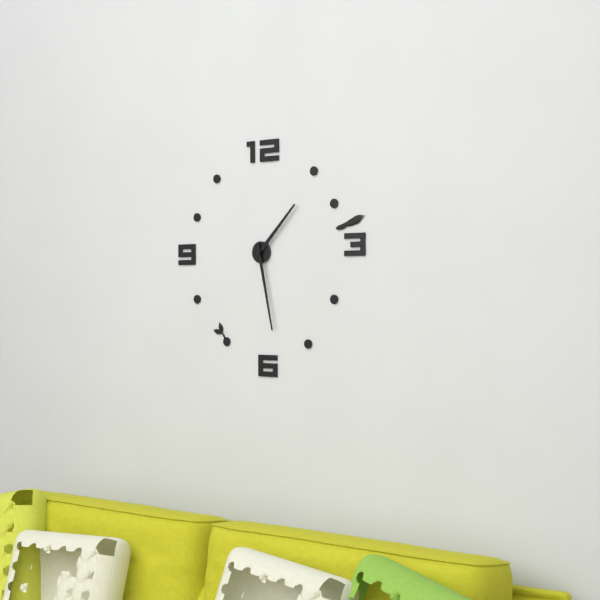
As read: 1h28
